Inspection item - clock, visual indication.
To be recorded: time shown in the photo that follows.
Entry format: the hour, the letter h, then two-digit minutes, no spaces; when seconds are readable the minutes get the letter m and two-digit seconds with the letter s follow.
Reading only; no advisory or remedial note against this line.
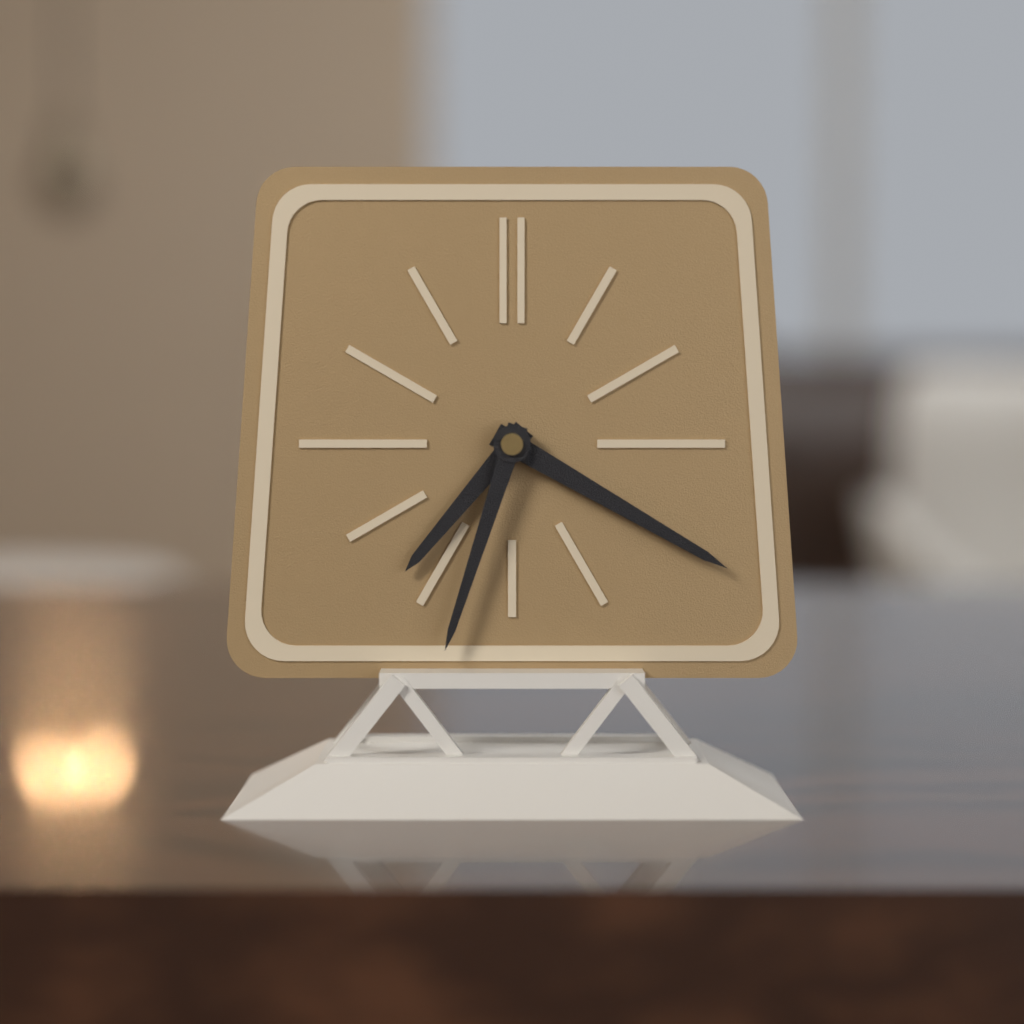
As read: 7h20m33s
